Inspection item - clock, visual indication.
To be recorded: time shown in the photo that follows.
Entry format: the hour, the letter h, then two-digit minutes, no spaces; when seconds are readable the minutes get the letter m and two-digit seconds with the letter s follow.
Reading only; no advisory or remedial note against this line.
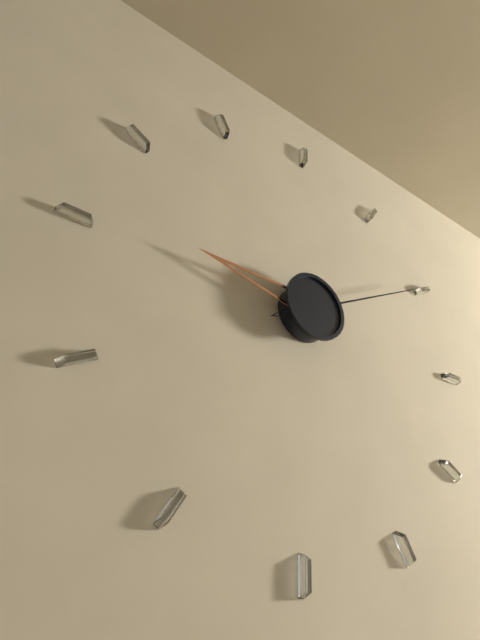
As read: 9h10
